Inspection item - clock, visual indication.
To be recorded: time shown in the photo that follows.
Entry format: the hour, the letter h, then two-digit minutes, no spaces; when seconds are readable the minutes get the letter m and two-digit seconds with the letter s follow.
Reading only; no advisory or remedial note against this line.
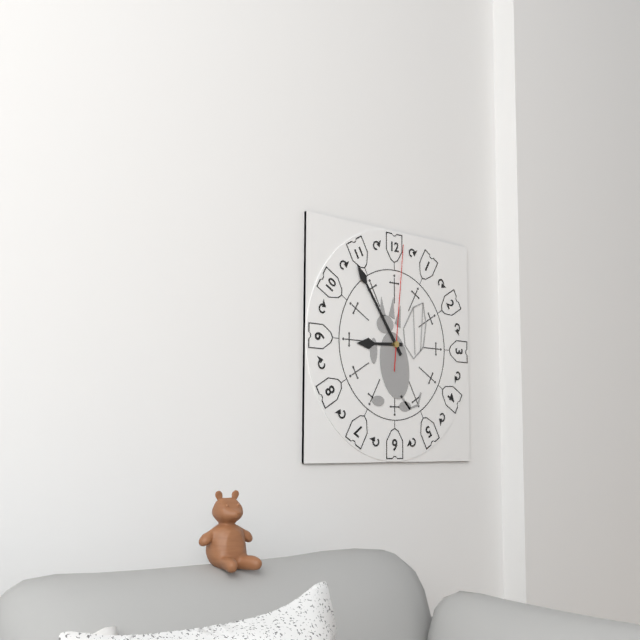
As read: 8h54m01s
